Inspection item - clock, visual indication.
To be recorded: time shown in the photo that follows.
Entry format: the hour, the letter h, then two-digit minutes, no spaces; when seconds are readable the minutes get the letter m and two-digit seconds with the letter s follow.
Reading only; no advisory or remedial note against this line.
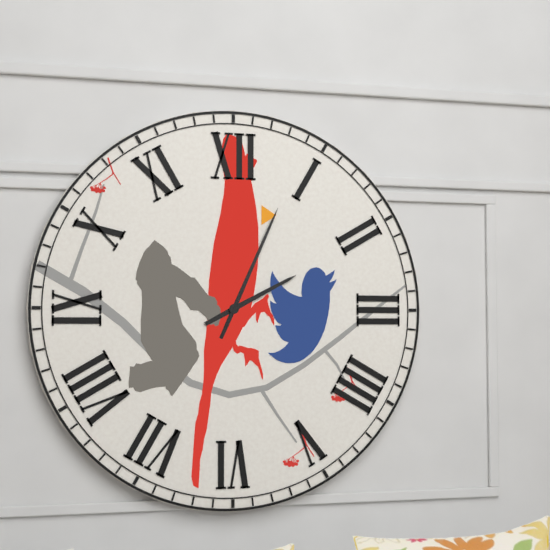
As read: 2h04
